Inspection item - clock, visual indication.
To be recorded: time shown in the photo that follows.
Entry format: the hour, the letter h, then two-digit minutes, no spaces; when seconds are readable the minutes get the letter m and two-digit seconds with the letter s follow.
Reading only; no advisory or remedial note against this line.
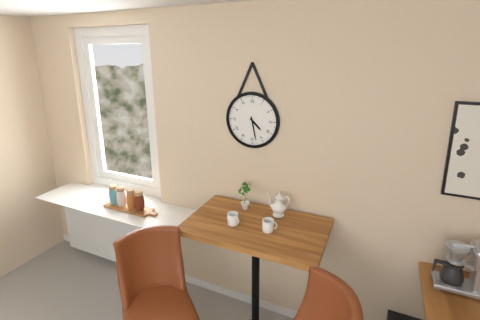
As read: 4h28
